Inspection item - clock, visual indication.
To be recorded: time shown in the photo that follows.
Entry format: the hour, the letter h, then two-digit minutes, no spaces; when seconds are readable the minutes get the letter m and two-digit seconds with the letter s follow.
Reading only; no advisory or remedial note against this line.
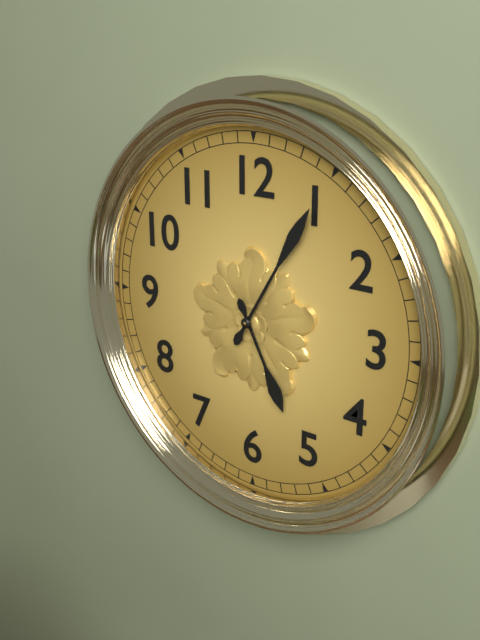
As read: 5h05
